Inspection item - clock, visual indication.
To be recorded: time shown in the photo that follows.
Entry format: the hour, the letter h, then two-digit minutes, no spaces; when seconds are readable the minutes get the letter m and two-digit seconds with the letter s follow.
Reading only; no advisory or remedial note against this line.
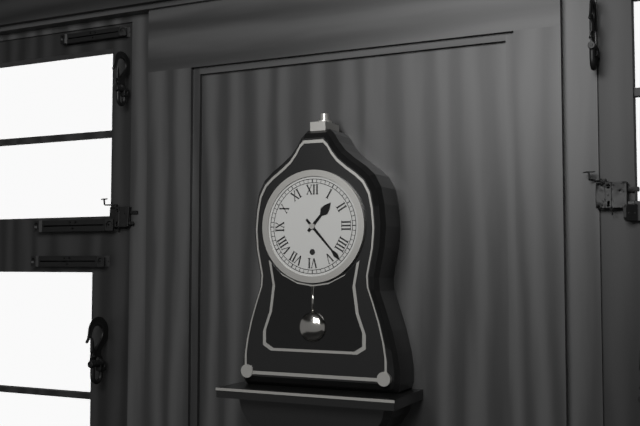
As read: 1h23
